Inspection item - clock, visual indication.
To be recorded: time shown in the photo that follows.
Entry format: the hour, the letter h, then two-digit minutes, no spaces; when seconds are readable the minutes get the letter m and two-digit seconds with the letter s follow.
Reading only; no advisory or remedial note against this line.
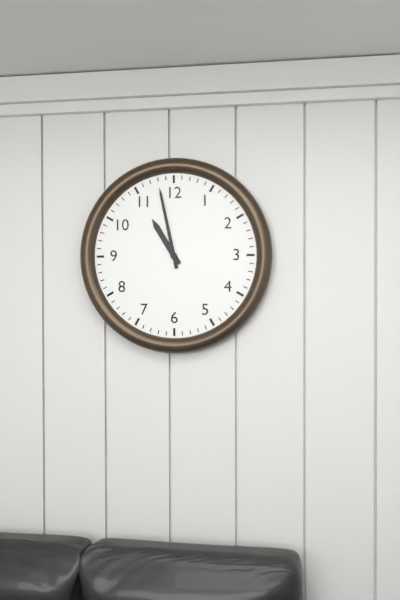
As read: 10h58
